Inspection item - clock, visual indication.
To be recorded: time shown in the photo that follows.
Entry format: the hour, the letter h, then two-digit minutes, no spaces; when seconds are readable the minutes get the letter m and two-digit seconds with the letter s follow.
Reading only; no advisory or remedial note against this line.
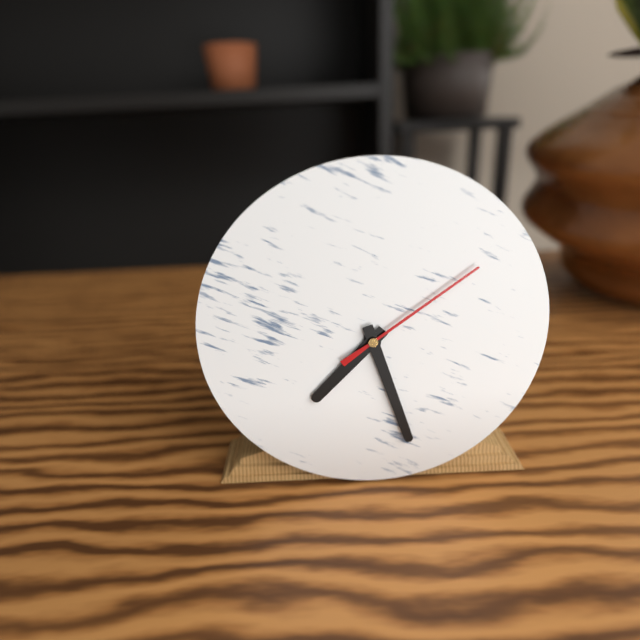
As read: 7h27m09s
